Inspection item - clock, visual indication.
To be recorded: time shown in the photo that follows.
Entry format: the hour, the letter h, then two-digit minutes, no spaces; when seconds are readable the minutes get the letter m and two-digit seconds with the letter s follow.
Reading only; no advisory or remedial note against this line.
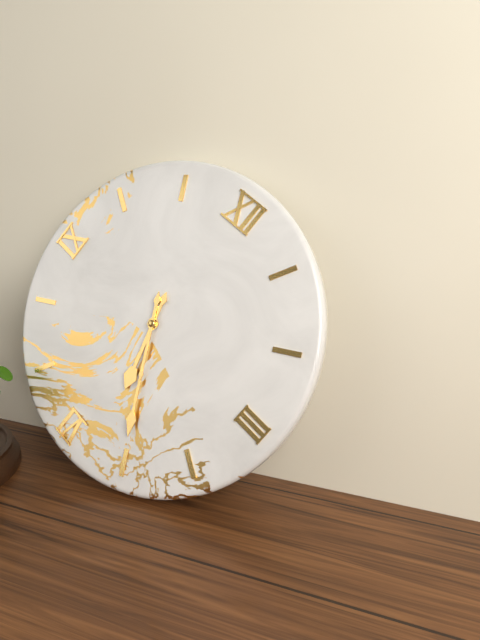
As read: 5h25
